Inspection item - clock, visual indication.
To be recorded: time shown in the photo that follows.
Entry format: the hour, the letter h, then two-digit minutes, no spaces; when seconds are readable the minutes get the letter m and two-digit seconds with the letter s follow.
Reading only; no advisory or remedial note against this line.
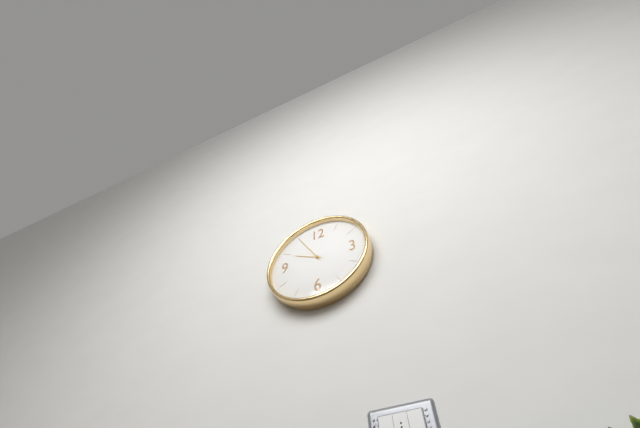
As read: 9h55
